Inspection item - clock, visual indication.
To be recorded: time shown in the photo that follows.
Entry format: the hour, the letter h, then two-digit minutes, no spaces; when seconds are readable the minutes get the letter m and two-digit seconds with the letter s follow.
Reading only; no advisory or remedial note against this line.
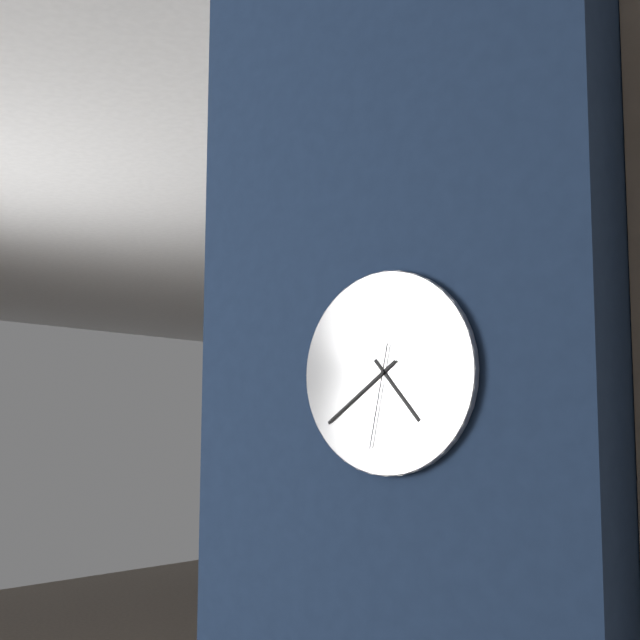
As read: 4h39m32s
